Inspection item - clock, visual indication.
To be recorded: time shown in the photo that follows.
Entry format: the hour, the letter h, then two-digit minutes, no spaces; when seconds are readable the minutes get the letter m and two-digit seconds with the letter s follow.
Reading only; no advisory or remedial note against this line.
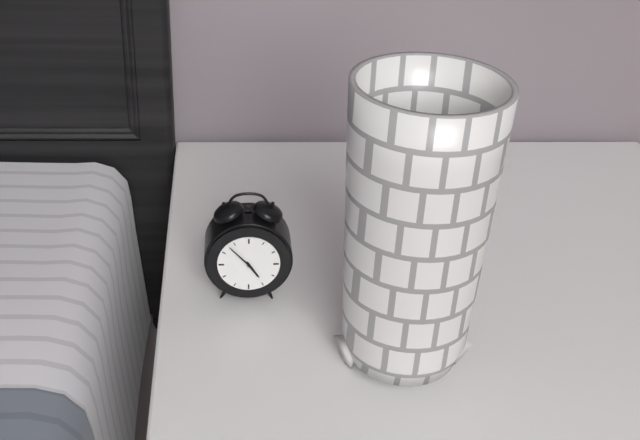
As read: 4h53
